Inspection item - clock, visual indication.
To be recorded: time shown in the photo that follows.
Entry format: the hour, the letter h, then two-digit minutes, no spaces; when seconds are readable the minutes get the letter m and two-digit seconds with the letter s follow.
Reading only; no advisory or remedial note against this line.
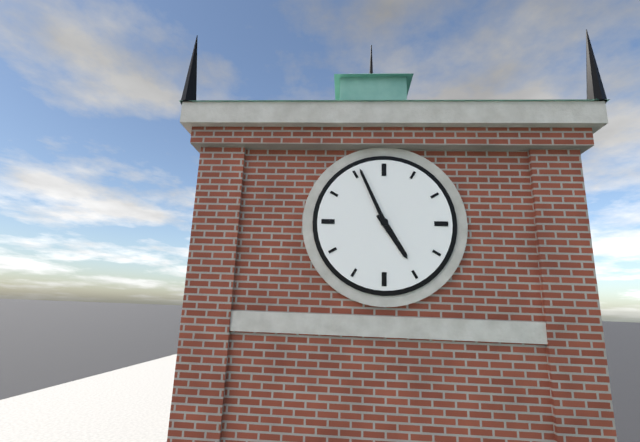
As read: 4h56
